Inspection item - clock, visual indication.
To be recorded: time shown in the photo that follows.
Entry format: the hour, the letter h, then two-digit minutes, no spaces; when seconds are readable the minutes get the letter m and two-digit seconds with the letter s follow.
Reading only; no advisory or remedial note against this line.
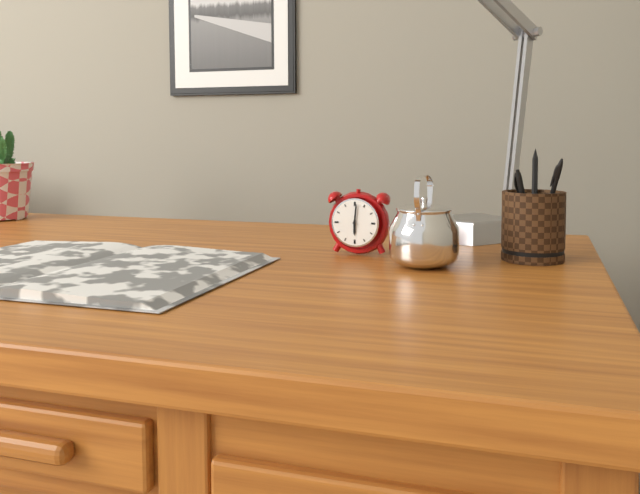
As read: 6h01
